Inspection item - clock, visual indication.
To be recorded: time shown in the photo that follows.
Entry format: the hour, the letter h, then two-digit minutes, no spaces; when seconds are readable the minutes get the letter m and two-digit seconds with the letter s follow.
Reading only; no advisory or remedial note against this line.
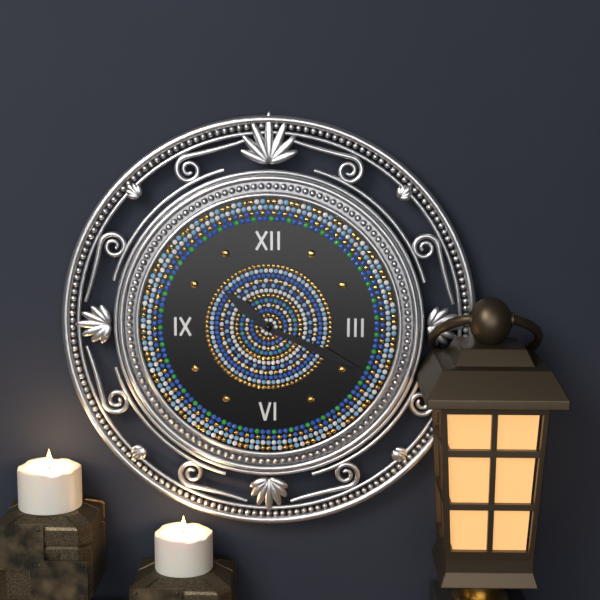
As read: 10h19
